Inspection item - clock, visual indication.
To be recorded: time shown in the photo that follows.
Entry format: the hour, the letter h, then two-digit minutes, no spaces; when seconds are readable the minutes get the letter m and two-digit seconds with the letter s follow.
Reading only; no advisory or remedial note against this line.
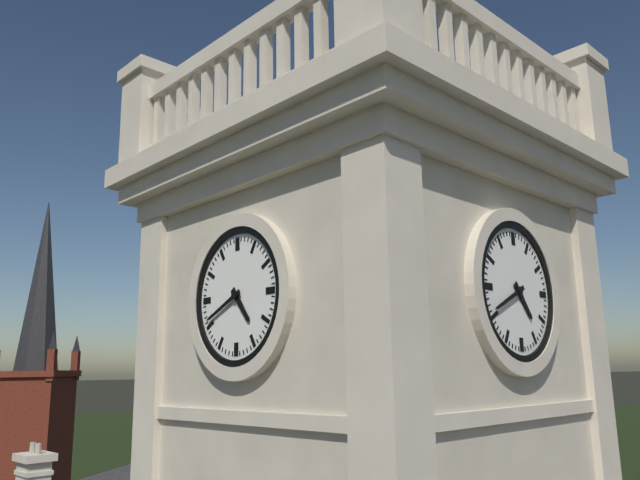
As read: 4h41
